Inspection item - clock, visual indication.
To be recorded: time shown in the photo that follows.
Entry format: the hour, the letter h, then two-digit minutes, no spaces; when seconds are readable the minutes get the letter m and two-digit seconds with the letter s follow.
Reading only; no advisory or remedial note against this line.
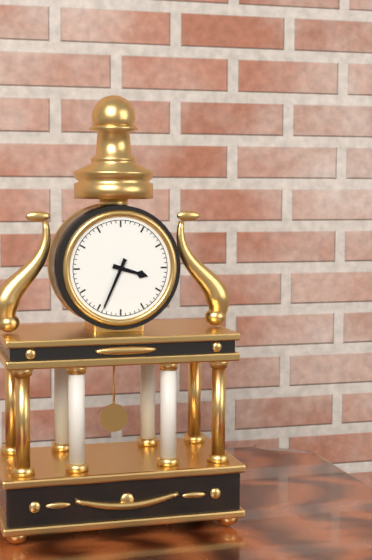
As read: 3h34
